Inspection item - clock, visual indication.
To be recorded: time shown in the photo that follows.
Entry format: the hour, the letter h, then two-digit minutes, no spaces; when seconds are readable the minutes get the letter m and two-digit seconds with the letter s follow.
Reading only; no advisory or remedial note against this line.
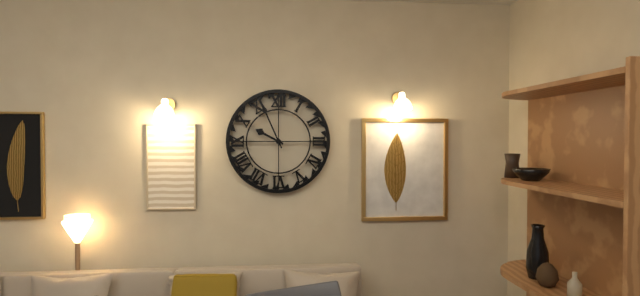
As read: 9h56
